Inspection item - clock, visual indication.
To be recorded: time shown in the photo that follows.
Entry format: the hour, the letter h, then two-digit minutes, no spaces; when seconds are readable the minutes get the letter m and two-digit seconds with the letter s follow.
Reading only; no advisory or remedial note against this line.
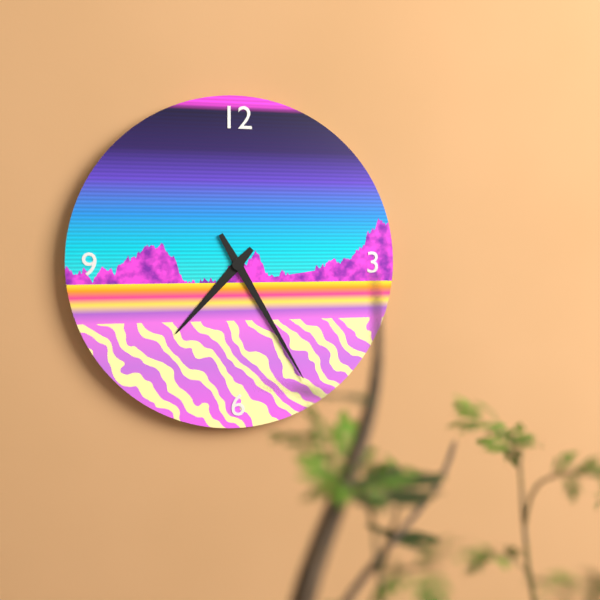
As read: 7h25
